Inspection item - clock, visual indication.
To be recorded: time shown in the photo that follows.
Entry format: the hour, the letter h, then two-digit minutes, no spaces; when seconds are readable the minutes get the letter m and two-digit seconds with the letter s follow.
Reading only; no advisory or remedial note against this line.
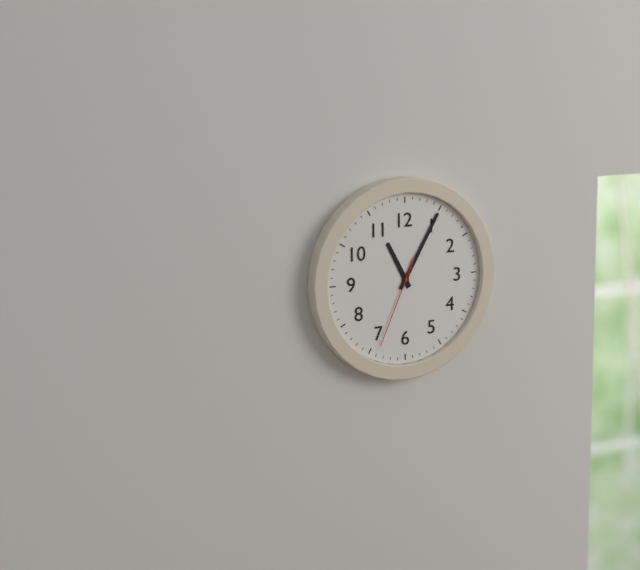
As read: 11h05m34s
